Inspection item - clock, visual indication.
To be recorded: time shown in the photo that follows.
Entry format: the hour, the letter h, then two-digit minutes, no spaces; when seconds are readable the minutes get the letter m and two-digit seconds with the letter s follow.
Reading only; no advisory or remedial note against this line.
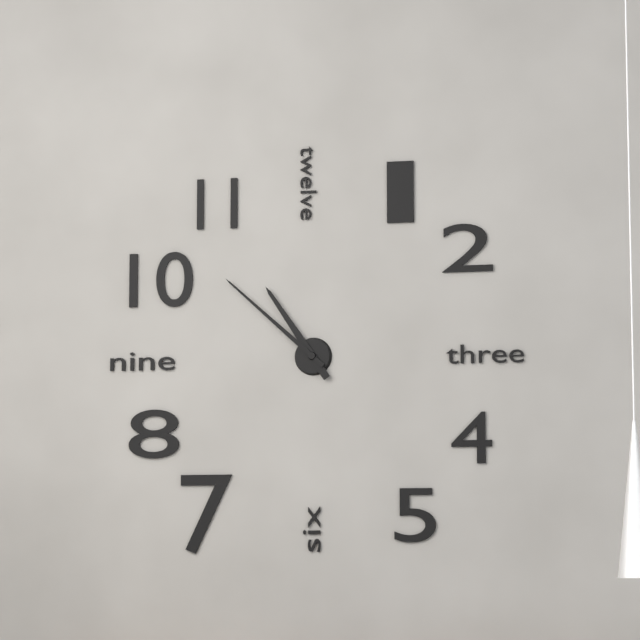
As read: 10h52
